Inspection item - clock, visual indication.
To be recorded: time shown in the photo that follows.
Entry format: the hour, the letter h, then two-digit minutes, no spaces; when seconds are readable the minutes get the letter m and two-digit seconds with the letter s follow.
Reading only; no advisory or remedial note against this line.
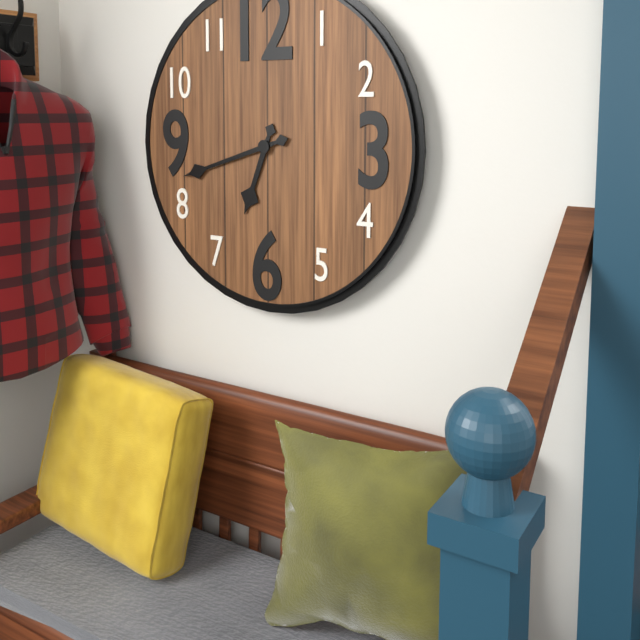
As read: 6h42
